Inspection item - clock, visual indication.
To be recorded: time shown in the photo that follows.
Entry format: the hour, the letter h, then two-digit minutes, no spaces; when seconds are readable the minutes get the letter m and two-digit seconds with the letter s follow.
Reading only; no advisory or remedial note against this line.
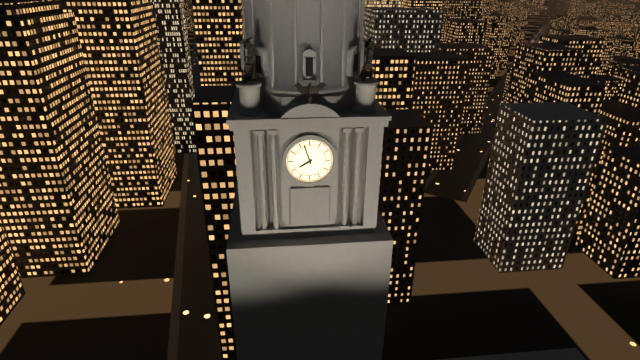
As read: 7h57
